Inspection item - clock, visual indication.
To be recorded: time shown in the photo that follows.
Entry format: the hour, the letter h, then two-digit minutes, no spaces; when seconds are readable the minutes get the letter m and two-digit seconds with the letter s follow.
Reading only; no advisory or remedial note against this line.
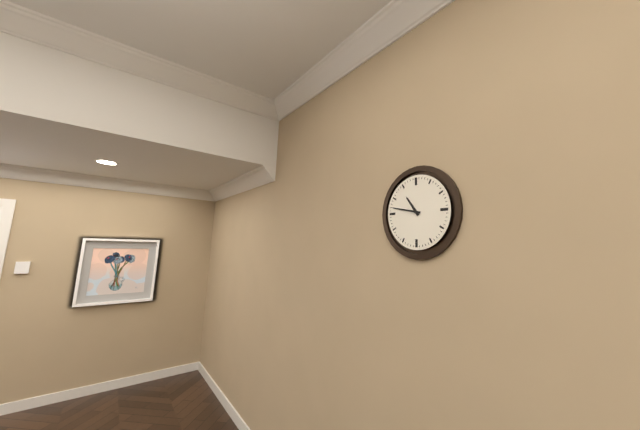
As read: 10h47
